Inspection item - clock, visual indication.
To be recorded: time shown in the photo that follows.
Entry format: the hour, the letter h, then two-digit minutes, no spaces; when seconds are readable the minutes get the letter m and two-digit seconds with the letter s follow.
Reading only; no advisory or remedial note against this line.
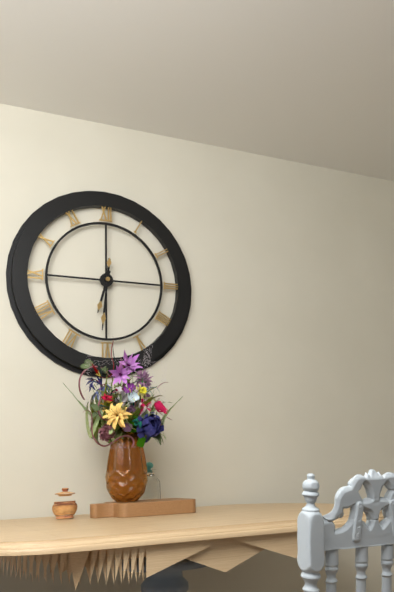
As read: 6h31
